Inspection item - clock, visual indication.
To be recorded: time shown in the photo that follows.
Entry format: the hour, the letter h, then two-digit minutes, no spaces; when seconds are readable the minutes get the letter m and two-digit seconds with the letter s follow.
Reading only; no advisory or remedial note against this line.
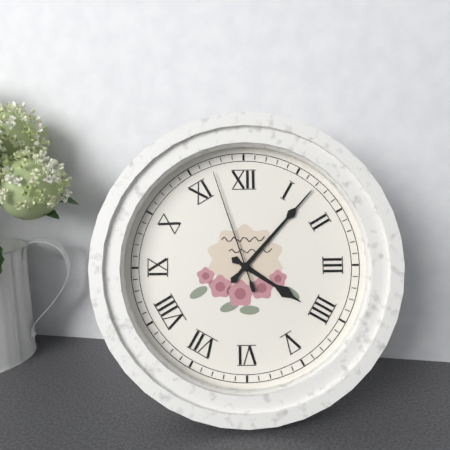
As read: 4h07m57s
